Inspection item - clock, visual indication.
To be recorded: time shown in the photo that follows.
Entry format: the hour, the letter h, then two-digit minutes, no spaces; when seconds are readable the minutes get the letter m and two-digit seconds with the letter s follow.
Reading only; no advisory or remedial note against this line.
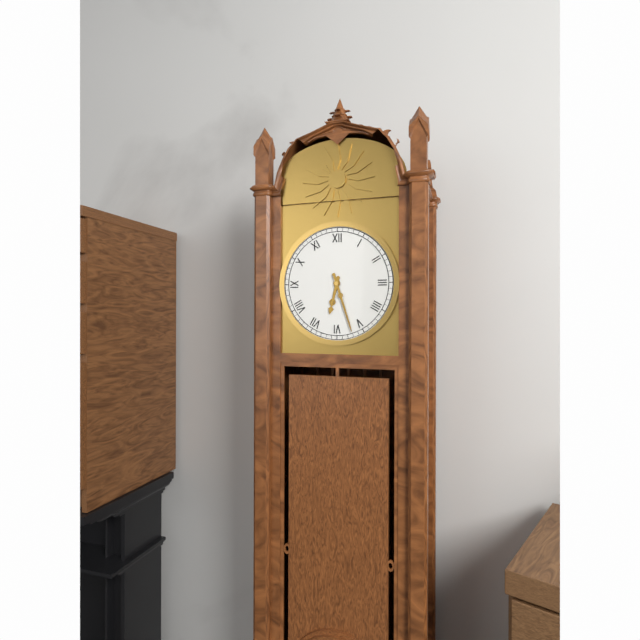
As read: 6h27
